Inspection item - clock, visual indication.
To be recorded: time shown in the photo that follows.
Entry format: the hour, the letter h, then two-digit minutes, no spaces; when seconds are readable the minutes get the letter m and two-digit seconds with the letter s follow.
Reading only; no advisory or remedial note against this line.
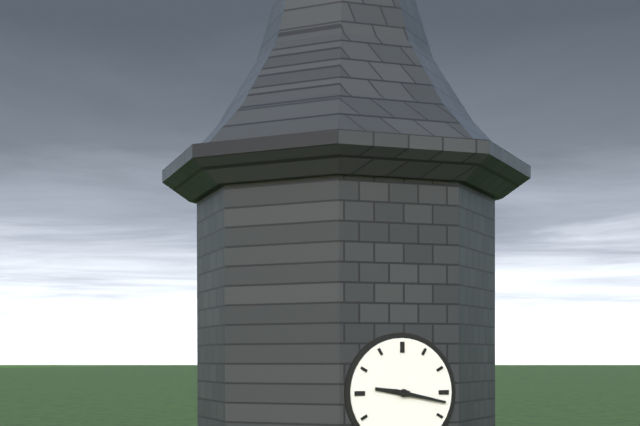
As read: 9h17
